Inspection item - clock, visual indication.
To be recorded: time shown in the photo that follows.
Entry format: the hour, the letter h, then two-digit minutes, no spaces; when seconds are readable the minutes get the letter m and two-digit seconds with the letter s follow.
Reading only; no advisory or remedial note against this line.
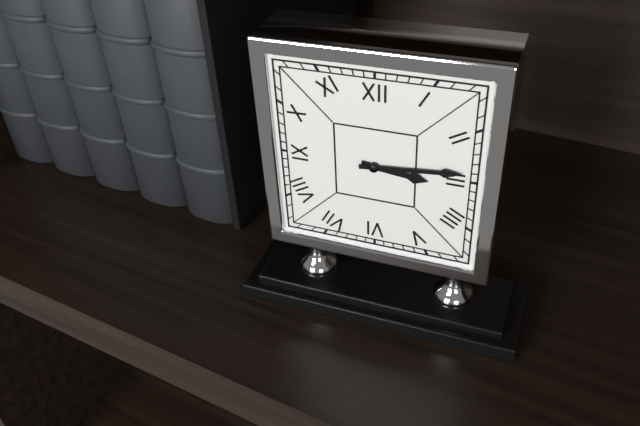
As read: 3h14
